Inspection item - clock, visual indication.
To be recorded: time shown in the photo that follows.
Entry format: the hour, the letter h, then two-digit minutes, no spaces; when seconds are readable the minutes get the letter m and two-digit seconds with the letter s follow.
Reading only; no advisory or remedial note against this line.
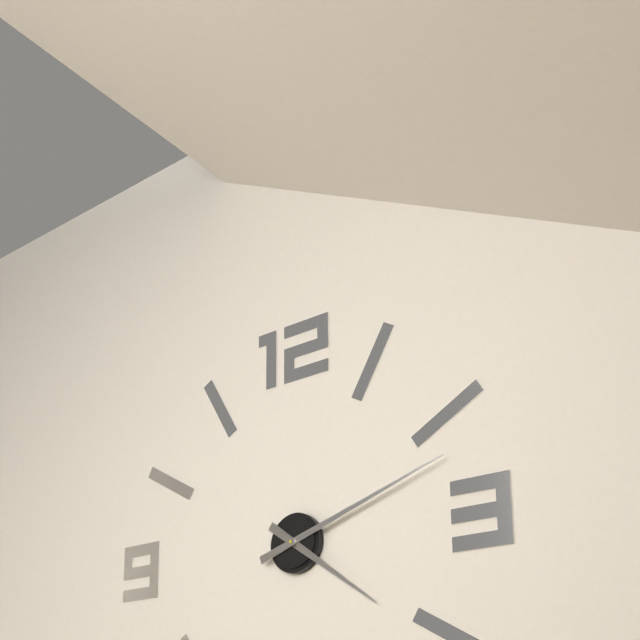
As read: 4h12
